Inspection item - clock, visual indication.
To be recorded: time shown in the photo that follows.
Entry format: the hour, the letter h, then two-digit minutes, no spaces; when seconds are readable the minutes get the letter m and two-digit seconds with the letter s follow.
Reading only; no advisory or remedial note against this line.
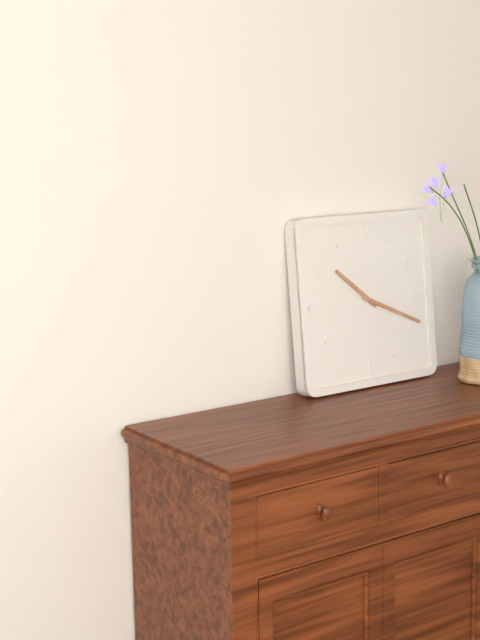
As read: 10h19
